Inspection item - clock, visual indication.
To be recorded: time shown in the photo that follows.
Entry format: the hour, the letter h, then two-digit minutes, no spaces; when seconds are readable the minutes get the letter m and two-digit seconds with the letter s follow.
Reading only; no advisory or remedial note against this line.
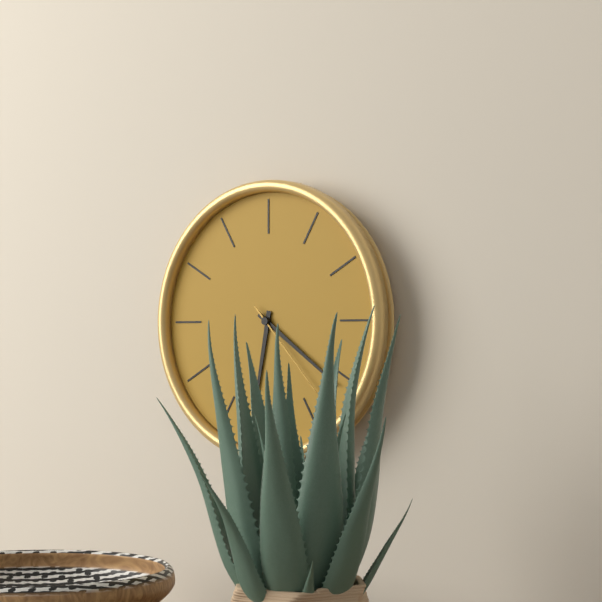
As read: 6h21m23s
